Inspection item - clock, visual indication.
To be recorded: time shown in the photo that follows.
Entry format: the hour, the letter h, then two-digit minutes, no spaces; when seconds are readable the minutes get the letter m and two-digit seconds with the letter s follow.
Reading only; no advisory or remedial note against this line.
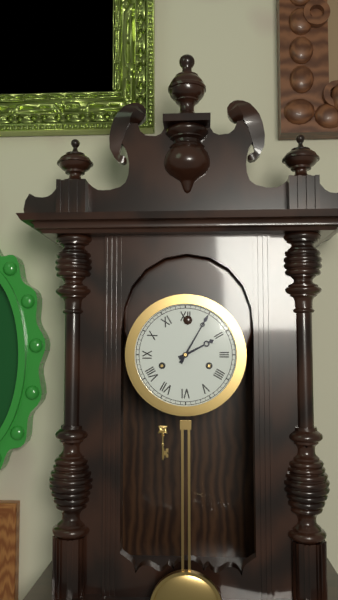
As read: 2h05
